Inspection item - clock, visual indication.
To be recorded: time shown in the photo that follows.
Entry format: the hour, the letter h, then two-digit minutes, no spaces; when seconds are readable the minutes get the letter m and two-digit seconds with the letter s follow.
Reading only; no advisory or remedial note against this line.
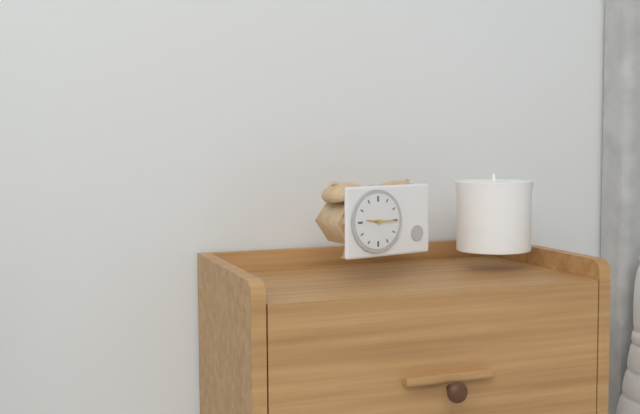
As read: 9h15
